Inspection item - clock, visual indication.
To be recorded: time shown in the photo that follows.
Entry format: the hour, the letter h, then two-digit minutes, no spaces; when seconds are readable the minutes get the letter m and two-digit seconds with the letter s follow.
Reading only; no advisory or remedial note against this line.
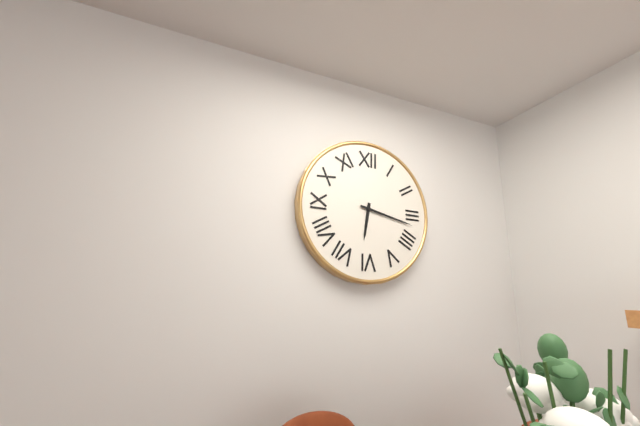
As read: 6h17
